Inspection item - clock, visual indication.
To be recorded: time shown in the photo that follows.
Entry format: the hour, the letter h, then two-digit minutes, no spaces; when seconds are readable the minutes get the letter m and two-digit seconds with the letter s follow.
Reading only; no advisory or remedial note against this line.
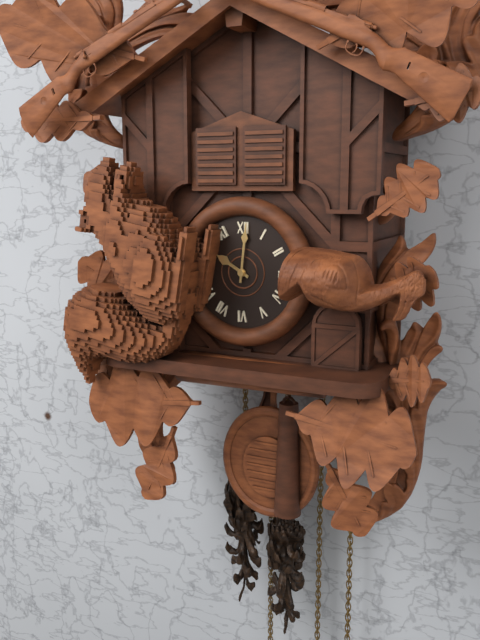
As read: 10h01
